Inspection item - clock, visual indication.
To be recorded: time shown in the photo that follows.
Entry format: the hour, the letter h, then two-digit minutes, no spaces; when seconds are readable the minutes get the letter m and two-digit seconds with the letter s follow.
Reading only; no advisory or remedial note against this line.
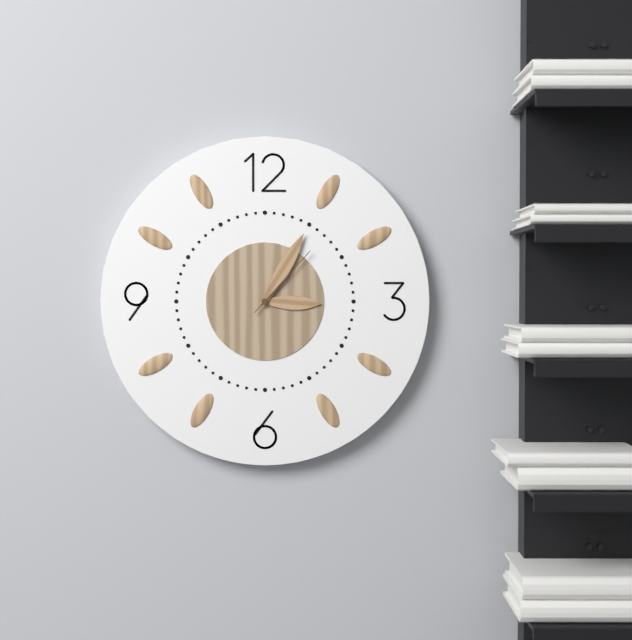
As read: 3h05m07s
